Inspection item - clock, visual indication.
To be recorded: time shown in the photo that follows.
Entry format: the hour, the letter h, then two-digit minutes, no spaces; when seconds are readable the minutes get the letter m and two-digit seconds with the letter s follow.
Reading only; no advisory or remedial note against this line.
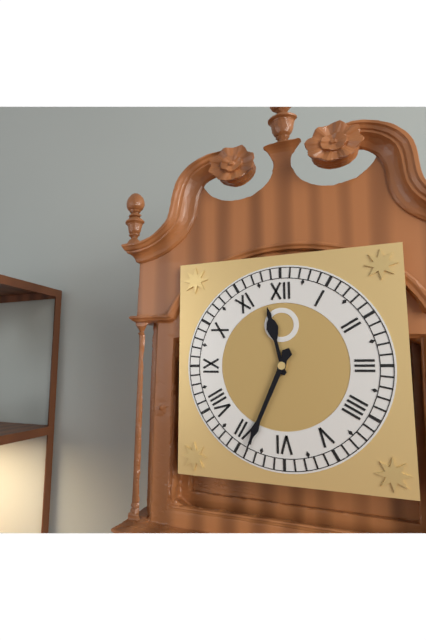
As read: 11h34
